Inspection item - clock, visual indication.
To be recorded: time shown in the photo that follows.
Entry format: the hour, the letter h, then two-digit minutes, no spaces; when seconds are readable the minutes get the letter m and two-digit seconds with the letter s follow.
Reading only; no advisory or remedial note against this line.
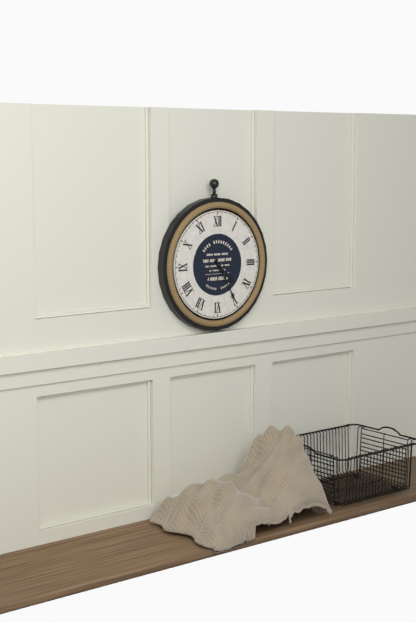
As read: 4h25
